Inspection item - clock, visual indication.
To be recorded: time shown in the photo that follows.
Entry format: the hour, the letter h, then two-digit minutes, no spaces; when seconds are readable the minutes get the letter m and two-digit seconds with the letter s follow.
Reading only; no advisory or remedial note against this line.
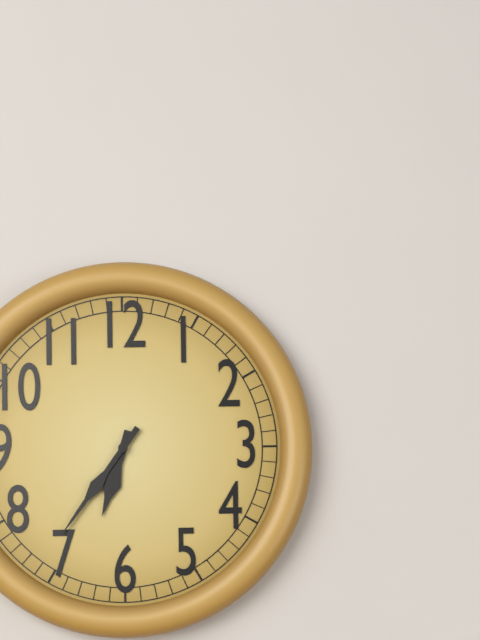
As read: 6h36
